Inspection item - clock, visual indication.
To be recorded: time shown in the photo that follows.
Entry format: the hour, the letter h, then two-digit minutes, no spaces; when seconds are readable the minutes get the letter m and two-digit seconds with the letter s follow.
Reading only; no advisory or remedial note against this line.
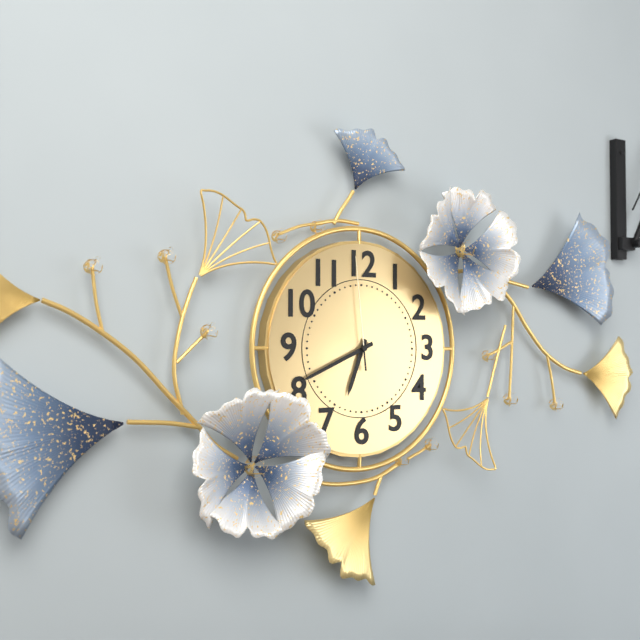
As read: 6h41m59s
